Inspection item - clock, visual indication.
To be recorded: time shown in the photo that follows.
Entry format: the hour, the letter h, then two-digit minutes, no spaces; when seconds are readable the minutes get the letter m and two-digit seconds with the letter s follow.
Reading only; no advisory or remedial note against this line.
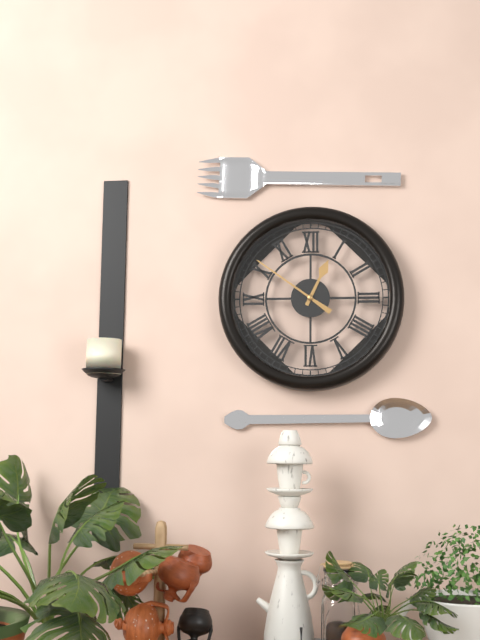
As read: 12h51
